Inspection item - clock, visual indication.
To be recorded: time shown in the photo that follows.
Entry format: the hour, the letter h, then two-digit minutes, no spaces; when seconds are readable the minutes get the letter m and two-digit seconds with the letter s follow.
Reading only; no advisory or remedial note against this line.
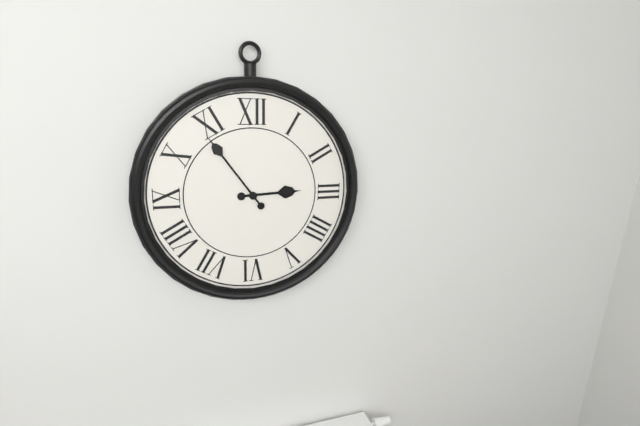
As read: 2h54
